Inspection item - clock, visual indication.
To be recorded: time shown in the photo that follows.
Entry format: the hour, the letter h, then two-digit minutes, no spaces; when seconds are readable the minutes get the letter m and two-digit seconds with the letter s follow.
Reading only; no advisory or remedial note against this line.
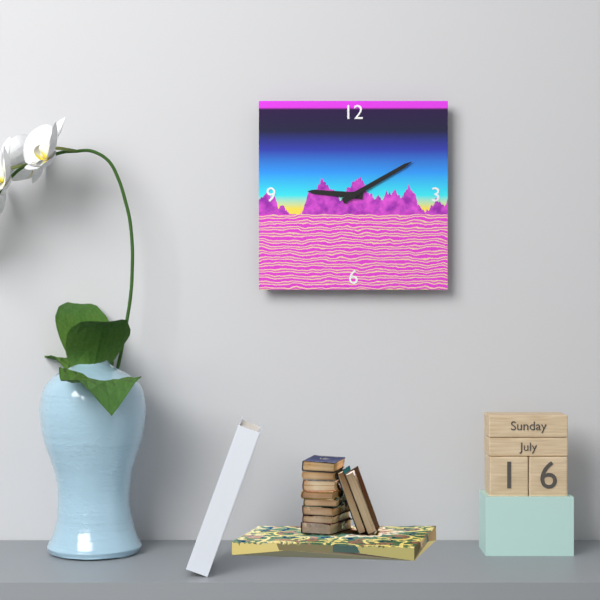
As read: 9h10
